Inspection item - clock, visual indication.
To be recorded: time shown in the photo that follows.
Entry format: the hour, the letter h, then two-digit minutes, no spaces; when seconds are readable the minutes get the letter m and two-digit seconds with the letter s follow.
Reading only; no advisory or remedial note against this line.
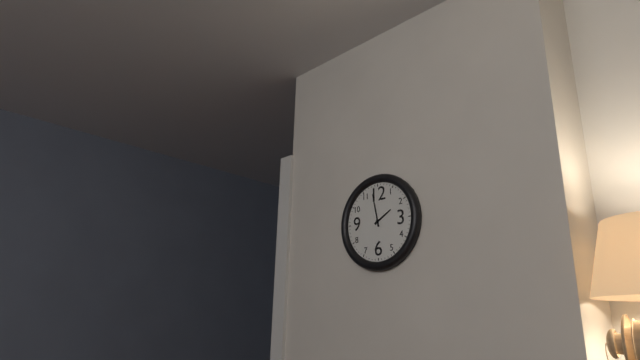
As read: 1h58
